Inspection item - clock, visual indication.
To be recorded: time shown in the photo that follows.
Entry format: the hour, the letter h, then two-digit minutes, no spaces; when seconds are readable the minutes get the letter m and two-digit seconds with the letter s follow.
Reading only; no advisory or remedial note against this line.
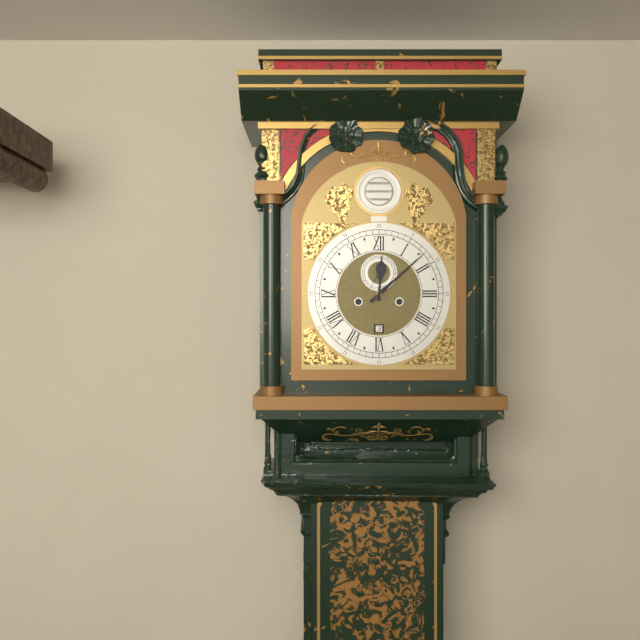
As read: 12h08
